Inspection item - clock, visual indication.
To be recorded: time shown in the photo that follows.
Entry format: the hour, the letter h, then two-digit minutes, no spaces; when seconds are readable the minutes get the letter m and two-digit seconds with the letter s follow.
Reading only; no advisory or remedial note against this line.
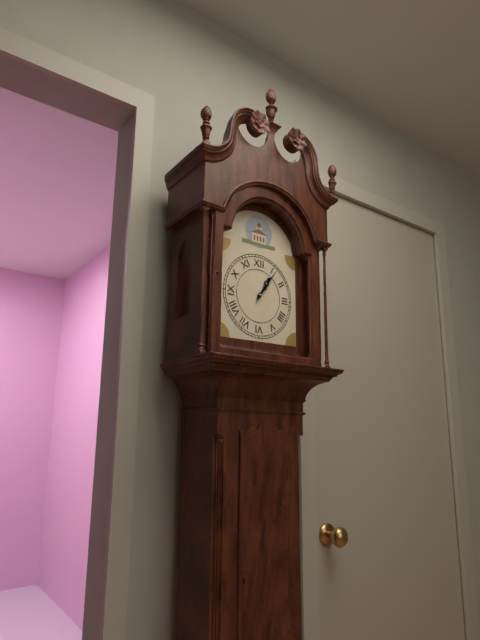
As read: 1h06
